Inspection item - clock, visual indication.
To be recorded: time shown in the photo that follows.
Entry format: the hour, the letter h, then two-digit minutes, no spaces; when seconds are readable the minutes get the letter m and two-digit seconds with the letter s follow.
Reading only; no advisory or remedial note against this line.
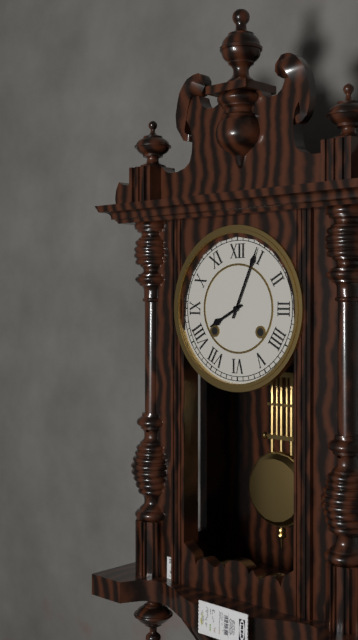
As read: 8h04
